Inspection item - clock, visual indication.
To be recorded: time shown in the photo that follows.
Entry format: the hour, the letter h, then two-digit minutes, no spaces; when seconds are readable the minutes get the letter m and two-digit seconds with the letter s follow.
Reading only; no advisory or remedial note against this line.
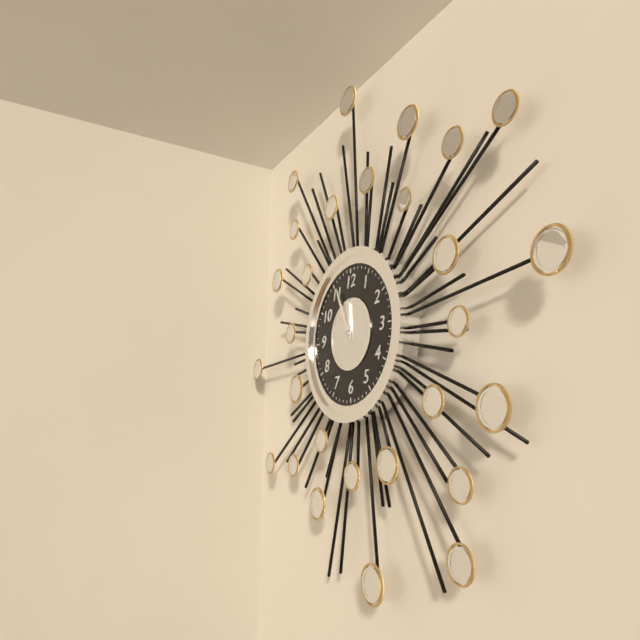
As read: 11h56
